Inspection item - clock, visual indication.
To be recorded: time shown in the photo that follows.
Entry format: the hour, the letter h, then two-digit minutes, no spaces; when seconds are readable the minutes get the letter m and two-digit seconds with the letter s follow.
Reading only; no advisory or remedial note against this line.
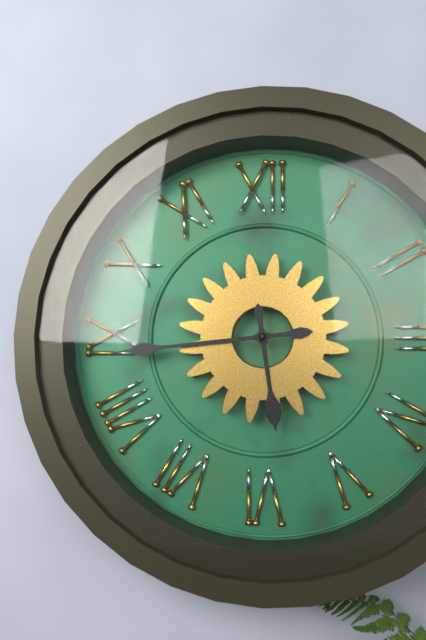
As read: 5h44
